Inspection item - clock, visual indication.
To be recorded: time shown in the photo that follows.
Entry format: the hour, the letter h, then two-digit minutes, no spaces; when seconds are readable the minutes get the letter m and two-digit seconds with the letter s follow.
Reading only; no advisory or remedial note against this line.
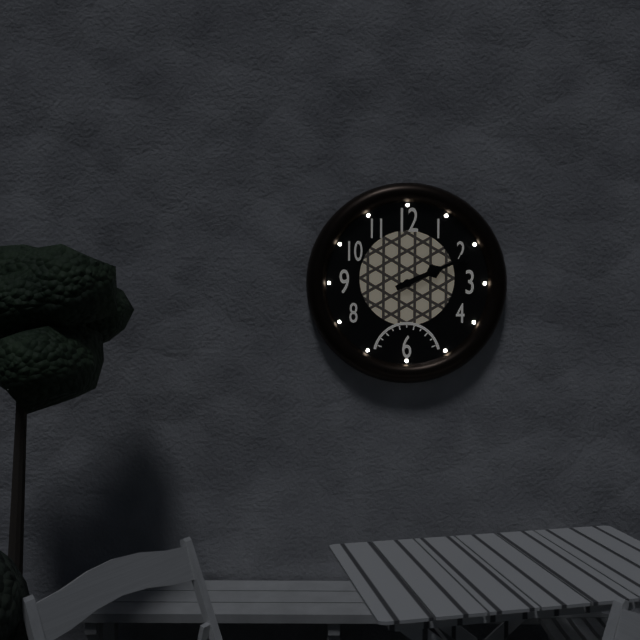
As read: 2h11
